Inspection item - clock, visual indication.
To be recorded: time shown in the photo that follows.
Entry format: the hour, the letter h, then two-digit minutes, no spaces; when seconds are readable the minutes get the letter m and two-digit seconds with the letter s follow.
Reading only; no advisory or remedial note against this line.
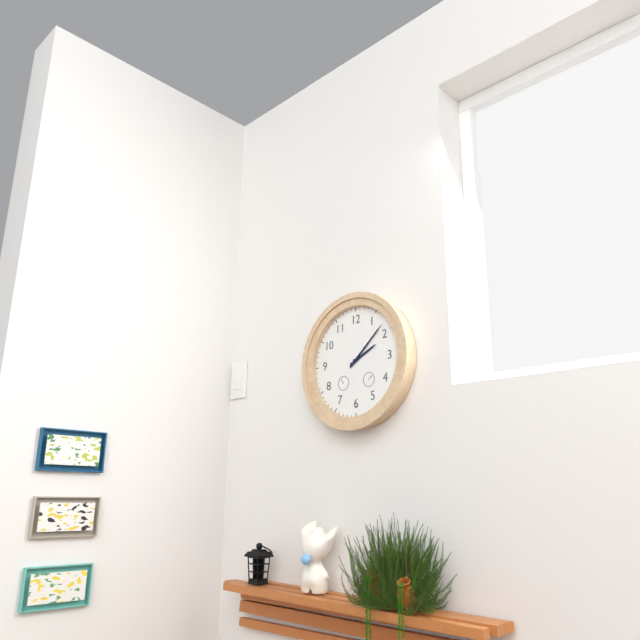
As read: 2h08
